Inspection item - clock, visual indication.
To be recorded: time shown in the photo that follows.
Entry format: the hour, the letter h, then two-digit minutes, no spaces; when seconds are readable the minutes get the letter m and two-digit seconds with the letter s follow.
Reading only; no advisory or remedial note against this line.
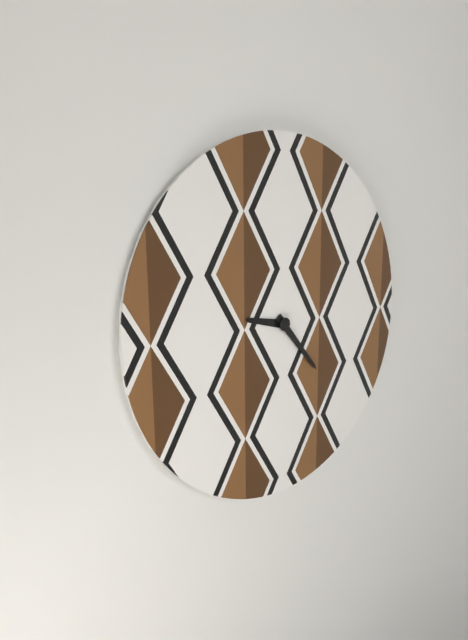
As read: 9h23
